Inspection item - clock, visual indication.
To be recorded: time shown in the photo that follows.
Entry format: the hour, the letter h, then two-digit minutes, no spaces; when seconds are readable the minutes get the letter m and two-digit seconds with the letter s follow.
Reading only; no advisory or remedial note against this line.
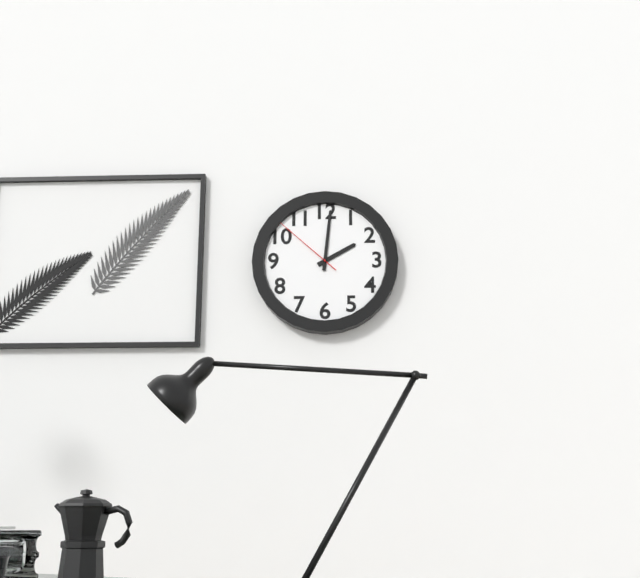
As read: 2h01m52s
